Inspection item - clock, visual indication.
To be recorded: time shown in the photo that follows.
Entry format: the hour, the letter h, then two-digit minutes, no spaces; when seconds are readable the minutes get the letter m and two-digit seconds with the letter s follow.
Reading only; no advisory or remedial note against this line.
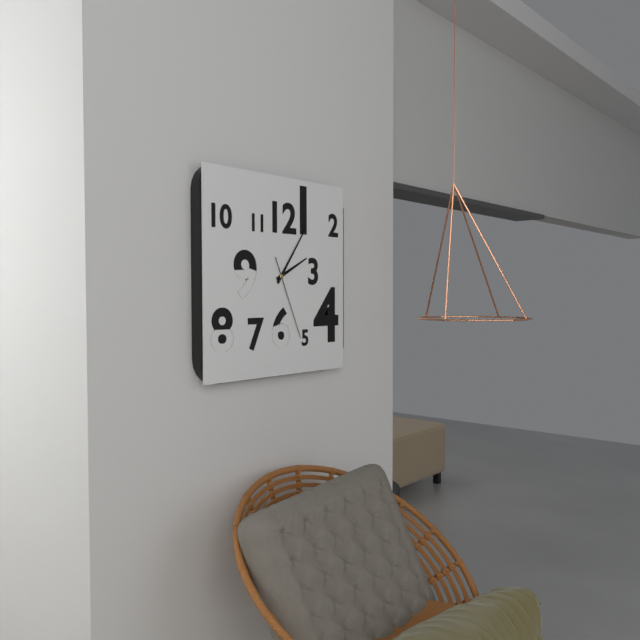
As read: 2h06m26s
